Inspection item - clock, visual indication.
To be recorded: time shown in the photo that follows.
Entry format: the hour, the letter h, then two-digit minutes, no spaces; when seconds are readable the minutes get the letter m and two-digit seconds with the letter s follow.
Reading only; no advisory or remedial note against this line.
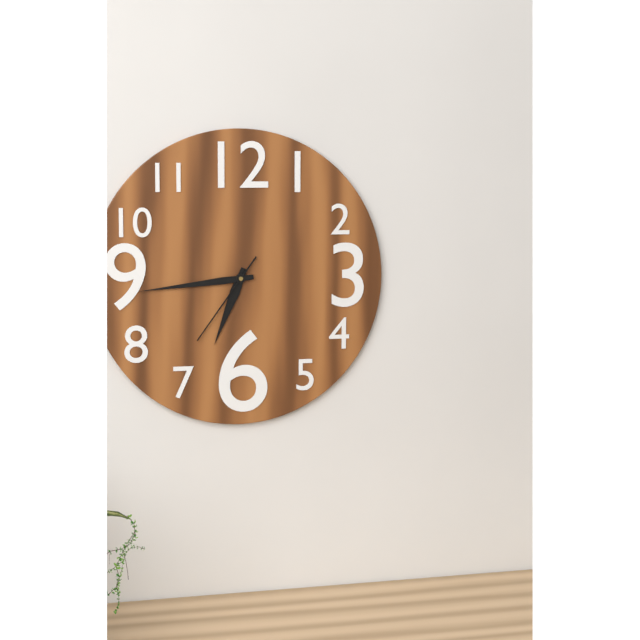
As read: 6h44m36s
